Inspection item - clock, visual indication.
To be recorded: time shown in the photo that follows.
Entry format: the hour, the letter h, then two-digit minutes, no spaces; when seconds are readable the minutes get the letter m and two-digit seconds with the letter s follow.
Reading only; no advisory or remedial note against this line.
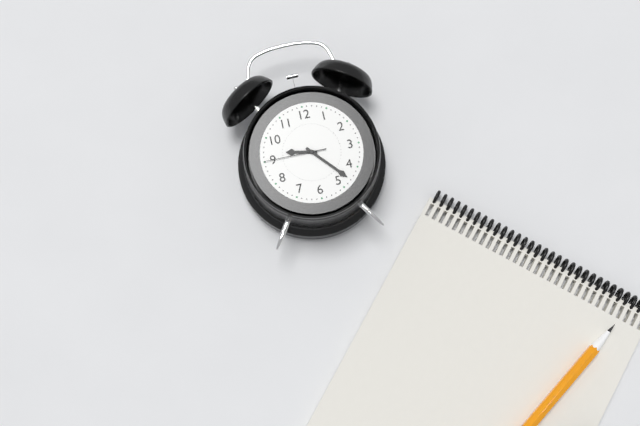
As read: 9h23m45s
